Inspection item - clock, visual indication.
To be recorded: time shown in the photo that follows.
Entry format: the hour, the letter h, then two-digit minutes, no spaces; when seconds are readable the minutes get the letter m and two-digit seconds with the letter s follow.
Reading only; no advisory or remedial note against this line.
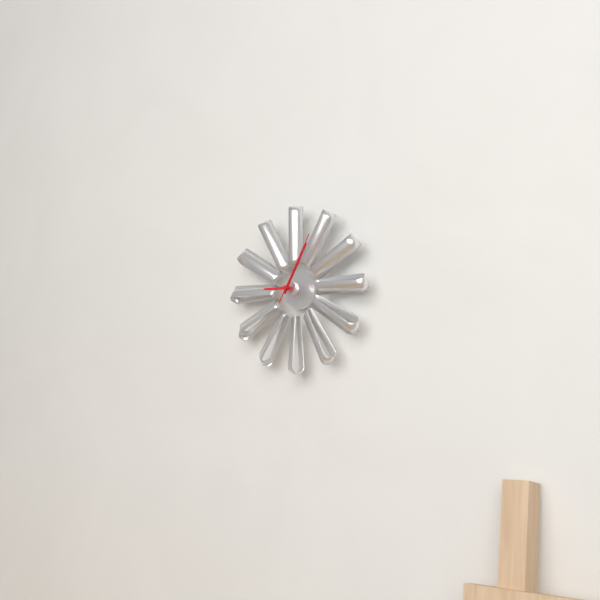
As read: 9h05m05s
